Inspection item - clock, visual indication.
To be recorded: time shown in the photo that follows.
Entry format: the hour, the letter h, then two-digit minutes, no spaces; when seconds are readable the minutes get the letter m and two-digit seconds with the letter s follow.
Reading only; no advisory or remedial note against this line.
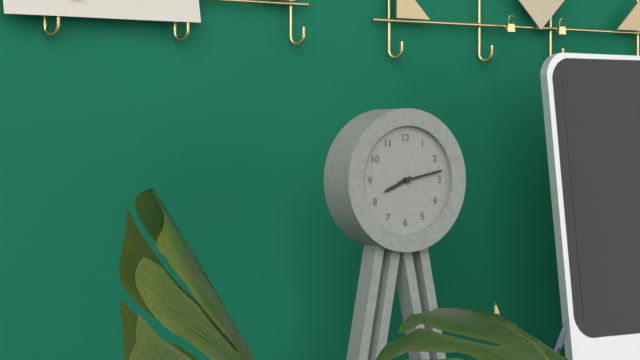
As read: 8h13
